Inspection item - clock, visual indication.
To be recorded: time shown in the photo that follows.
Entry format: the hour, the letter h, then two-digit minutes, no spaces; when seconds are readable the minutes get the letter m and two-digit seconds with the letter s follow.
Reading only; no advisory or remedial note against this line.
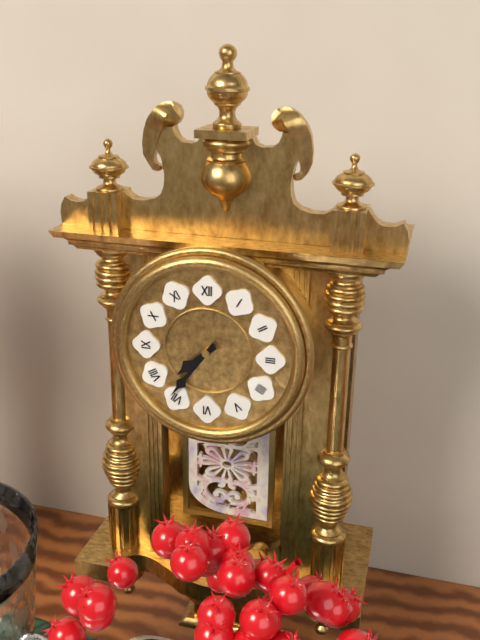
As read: 7h36
